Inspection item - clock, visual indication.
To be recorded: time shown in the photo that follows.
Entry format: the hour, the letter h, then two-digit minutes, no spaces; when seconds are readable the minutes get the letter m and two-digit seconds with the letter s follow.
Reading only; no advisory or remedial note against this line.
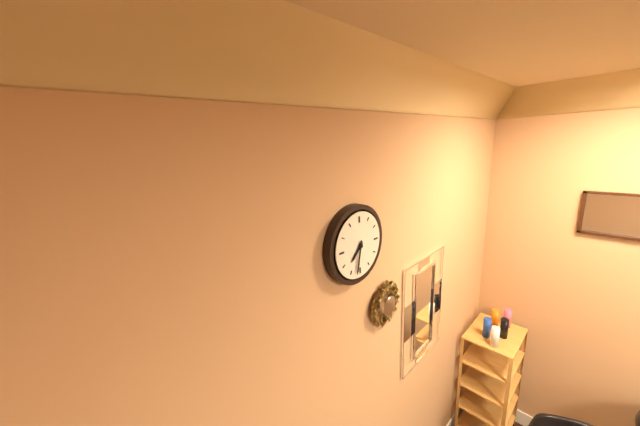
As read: 7h32
